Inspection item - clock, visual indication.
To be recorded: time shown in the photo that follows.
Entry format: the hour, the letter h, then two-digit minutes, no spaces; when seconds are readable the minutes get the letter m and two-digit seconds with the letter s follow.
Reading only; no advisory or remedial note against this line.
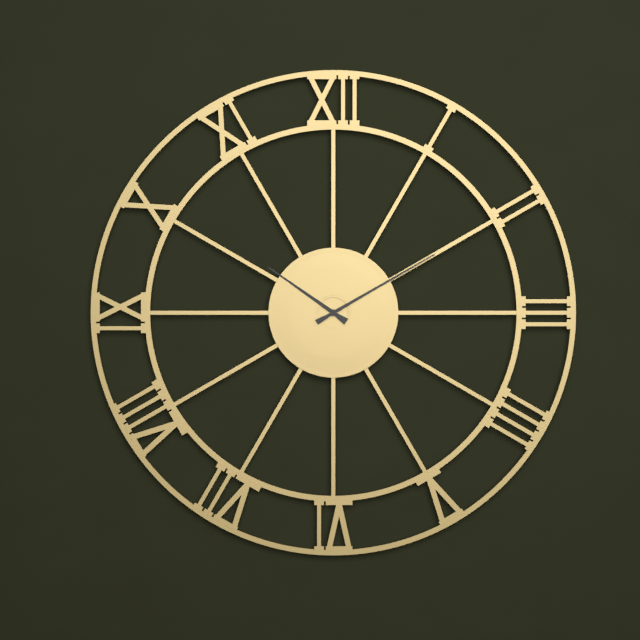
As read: 10h10
